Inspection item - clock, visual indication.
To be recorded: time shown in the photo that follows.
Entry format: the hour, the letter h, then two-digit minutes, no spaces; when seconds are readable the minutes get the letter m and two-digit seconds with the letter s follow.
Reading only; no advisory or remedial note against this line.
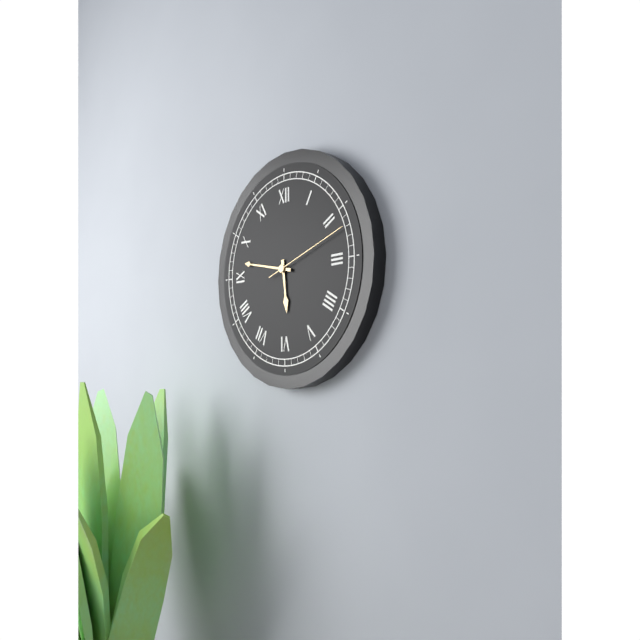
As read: 5h47m12s
